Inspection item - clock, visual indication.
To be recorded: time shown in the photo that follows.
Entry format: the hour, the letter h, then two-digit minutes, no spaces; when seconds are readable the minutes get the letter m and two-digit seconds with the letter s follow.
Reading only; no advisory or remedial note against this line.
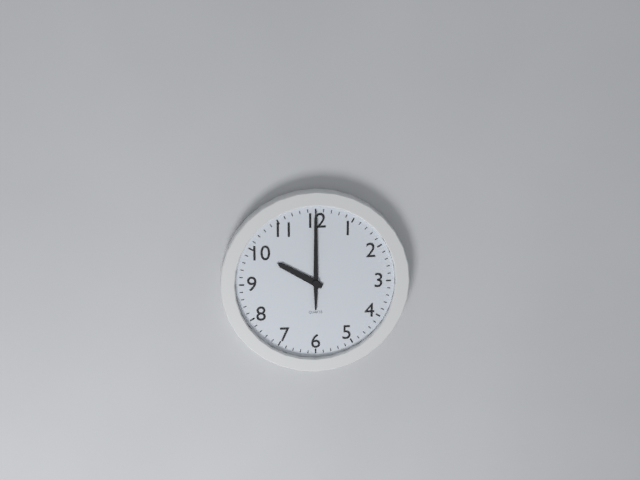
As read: 10h00
